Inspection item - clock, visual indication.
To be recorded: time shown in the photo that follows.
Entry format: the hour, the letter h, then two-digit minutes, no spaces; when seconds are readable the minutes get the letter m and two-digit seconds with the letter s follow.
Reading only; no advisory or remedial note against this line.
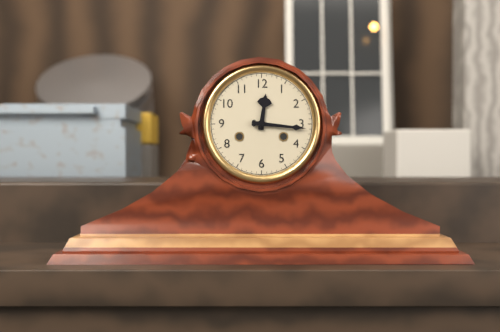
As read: 12h16
